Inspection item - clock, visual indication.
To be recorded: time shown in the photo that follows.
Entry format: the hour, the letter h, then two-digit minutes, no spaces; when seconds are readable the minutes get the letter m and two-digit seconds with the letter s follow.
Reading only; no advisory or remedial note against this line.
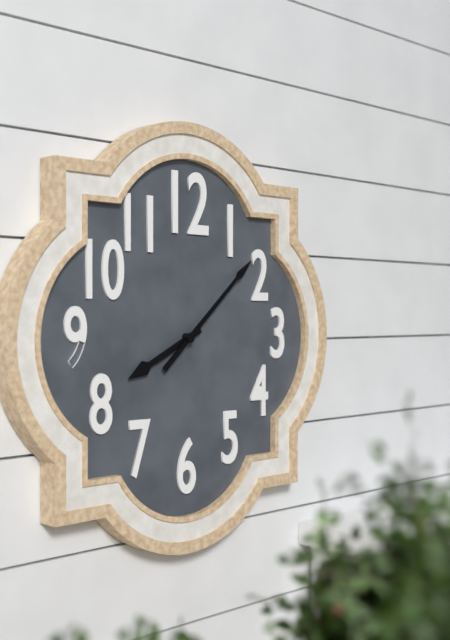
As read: 8h08
